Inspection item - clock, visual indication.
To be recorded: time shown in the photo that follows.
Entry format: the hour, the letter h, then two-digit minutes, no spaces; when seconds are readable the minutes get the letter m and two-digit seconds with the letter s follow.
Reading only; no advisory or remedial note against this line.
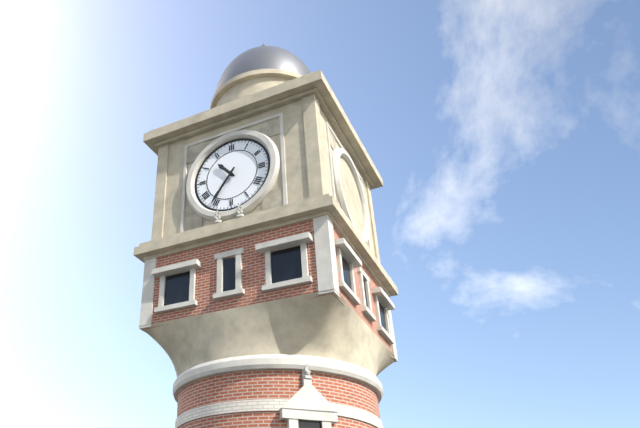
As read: 10h36
